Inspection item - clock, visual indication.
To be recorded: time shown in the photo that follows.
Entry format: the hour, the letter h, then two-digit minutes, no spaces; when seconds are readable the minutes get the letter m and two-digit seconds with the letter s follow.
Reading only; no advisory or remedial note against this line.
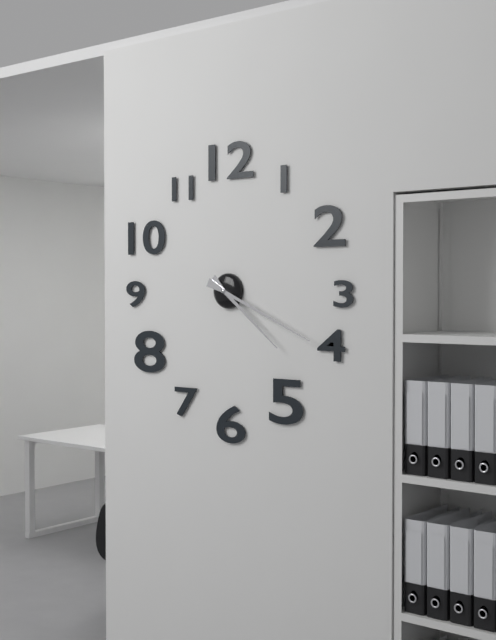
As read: 4h19
